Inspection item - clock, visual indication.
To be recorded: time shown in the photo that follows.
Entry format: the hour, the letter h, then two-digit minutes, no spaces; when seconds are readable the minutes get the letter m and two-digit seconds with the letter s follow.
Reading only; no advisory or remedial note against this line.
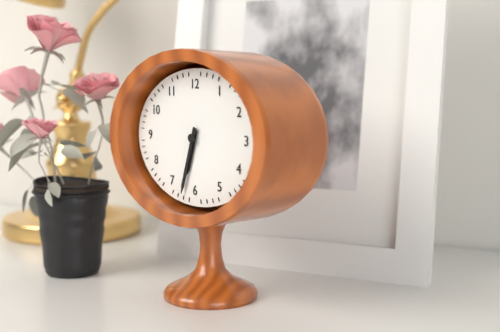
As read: 6h33
